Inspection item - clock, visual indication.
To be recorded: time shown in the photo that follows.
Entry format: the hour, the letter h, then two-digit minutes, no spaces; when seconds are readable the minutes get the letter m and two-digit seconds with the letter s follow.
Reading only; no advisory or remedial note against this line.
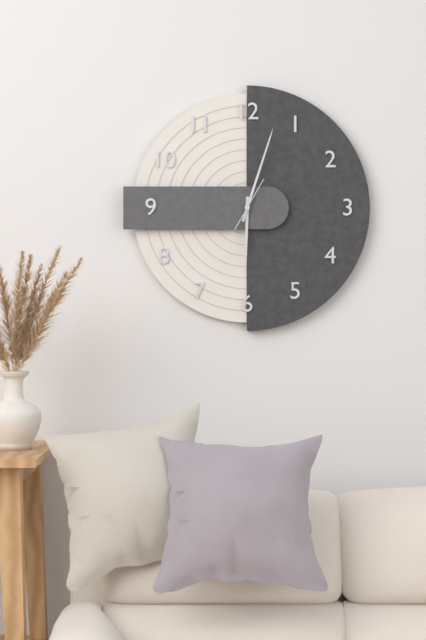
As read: 6h03m35s
